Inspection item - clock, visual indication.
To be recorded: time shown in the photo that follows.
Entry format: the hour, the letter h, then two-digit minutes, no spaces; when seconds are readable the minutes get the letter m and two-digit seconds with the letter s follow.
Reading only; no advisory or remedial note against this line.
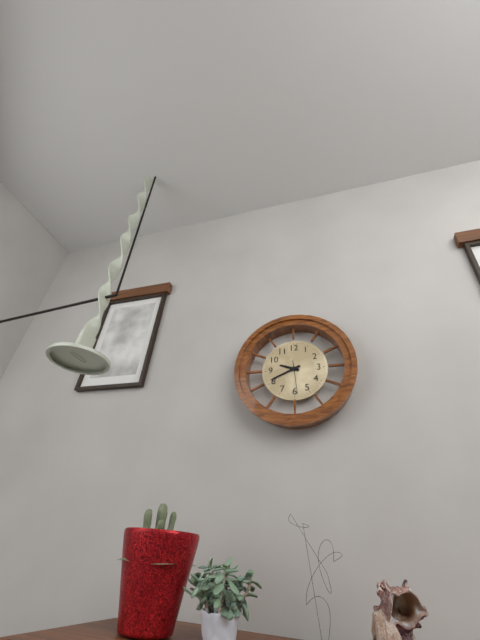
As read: 9h41
